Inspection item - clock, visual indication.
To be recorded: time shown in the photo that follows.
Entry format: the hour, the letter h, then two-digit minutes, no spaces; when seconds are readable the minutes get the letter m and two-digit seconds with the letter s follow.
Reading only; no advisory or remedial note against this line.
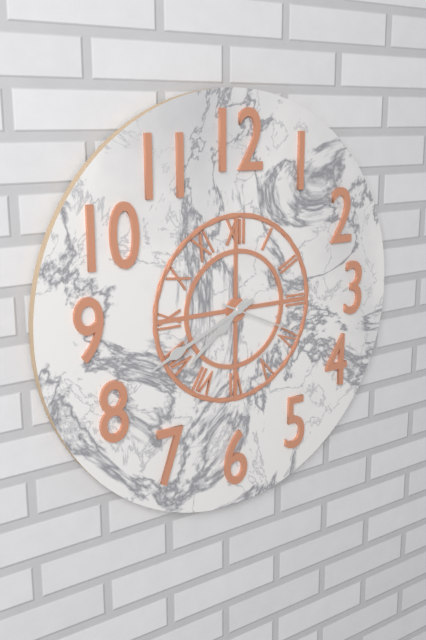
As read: 7h41m19s
